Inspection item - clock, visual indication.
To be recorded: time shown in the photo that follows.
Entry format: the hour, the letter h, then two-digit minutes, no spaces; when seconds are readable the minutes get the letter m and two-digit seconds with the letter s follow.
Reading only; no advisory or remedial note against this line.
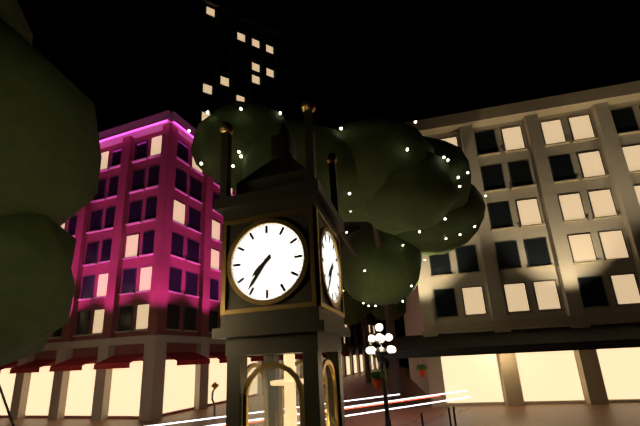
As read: 7h36
